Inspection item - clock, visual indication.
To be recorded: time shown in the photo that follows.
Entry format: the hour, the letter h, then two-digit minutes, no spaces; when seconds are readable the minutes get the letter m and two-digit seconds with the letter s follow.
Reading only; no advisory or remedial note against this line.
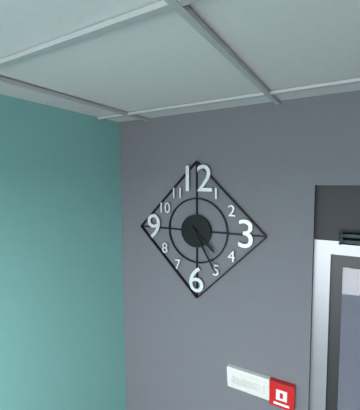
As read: 4h25
